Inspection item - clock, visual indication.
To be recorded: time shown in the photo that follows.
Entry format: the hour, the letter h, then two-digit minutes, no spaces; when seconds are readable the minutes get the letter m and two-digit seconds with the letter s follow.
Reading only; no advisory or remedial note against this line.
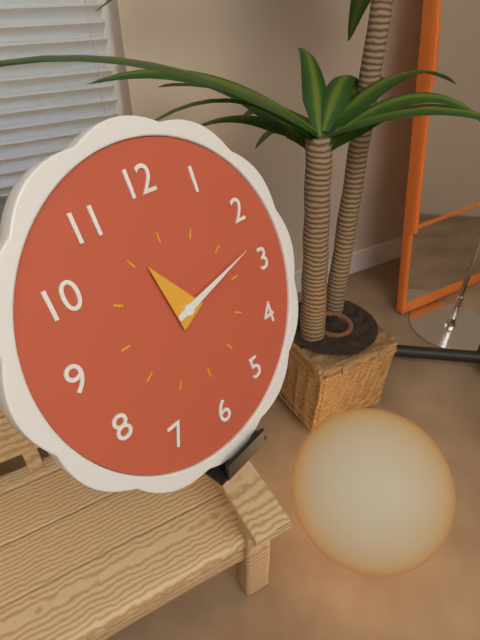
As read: 11h13
